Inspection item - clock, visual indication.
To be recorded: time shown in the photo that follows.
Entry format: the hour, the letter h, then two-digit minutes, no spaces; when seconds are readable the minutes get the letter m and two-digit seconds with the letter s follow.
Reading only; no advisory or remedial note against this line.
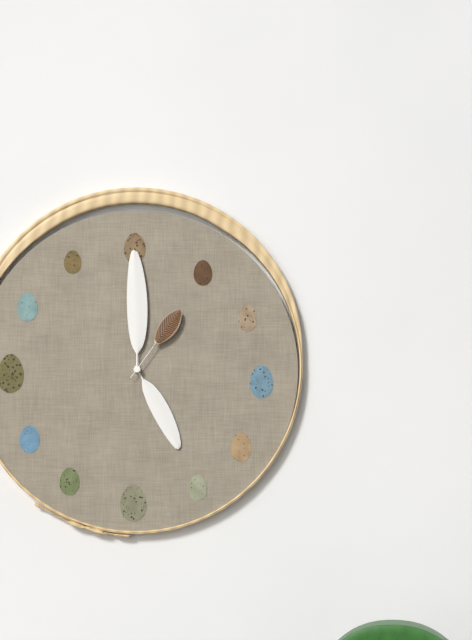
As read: 5h00m06s
